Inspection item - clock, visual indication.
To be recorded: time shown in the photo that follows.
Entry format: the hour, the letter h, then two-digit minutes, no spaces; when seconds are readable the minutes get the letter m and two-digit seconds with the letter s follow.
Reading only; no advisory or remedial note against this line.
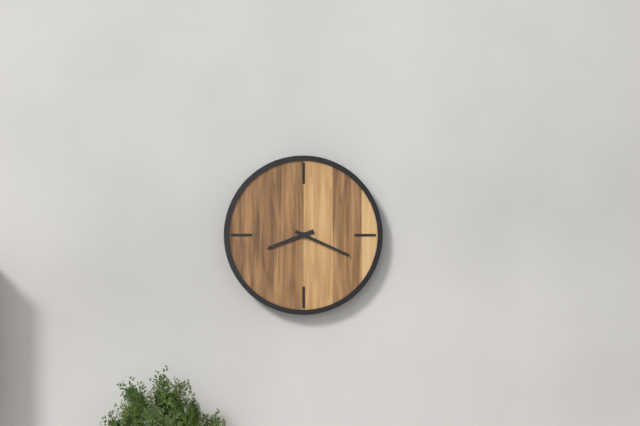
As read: 8h19
